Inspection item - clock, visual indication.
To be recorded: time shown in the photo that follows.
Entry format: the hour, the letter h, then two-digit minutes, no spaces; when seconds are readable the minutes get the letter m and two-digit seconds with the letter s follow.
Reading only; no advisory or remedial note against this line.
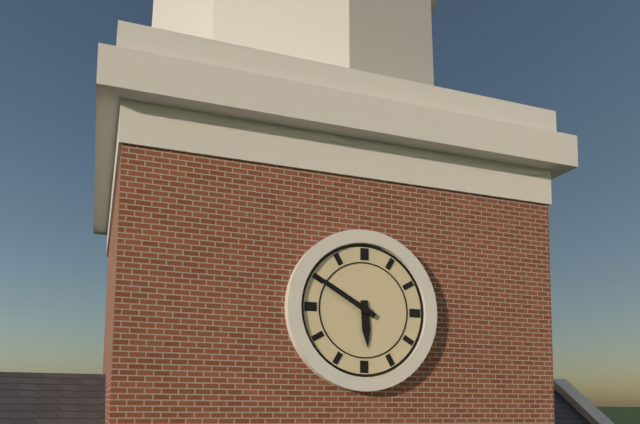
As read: 5h50
